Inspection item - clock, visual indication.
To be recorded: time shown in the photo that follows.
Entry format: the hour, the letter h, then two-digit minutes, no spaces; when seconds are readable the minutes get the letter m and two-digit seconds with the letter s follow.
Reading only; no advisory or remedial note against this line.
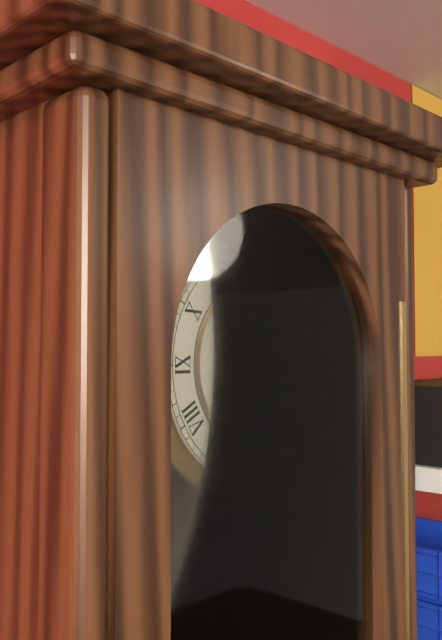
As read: 7h11
